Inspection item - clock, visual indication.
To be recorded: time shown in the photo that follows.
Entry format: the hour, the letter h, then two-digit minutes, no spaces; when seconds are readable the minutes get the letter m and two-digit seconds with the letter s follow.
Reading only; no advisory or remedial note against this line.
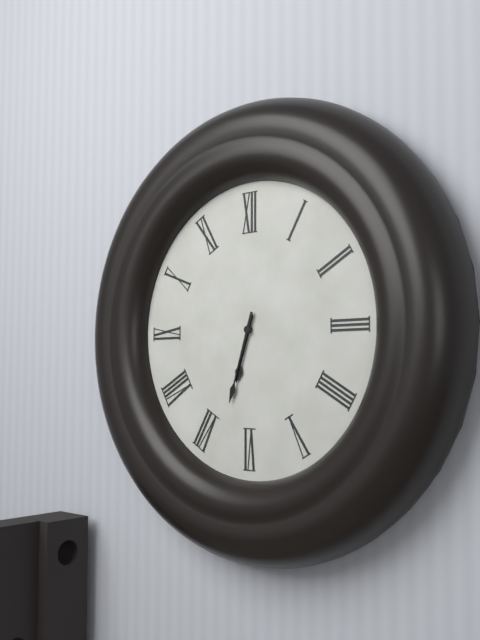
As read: 6h33
